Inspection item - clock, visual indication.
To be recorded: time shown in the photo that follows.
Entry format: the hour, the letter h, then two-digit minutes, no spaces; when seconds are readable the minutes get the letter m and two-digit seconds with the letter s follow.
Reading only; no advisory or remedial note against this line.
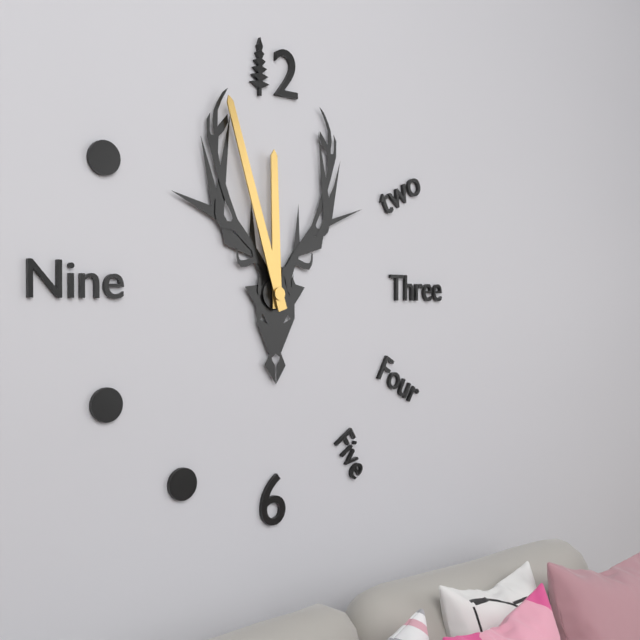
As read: 11h57
